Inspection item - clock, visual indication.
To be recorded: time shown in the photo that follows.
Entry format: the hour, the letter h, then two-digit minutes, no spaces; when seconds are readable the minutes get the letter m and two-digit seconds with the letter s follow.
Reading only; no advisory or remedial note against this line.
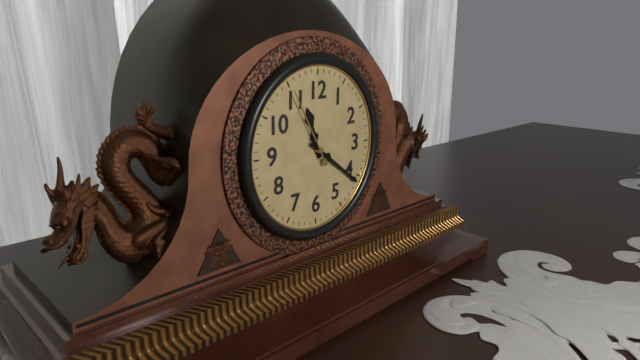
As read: 11h21m55s
